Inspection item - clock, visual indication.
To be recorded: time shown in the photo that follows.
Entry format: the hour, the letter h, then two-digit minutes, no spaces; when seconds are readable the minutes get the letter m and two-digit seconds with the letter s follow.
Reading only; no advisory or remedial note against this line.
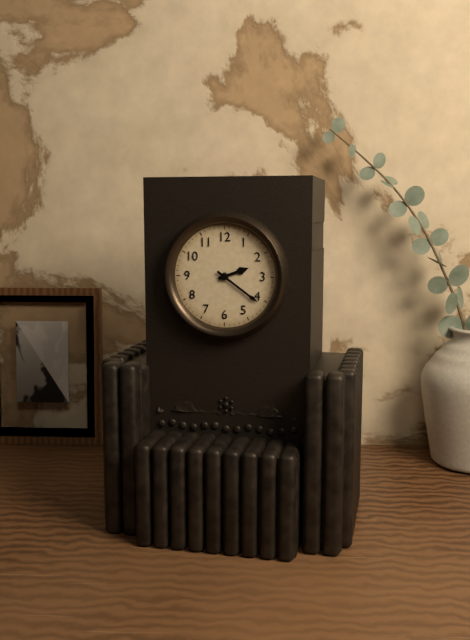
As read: 2h21
